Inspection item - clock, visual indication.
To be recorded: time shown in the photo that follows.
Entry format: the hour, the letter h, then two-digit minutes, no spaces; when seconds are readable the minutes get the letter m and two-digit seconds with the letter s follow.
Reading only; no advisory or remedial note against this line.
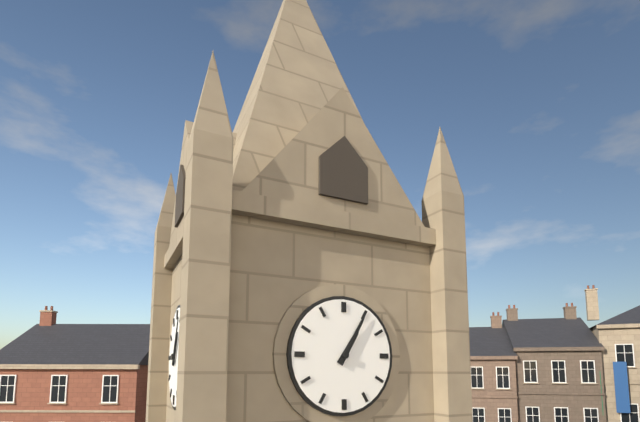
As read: 1h05
